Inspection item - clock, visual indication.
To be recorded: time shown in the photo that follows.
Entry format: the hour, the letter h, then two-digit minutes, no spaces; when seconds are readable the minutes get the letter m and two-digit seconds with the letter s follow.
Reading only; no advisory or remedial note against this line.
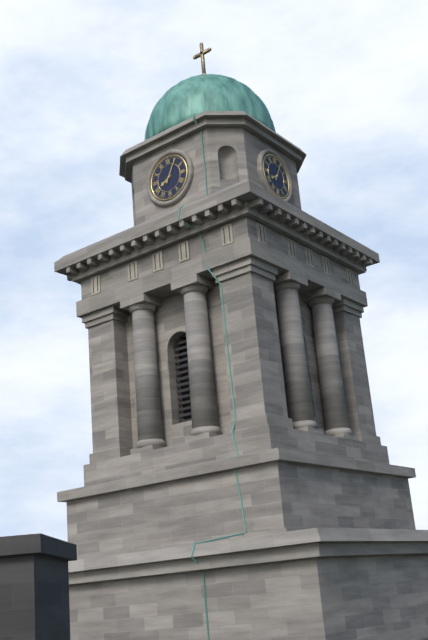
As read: 8h05
